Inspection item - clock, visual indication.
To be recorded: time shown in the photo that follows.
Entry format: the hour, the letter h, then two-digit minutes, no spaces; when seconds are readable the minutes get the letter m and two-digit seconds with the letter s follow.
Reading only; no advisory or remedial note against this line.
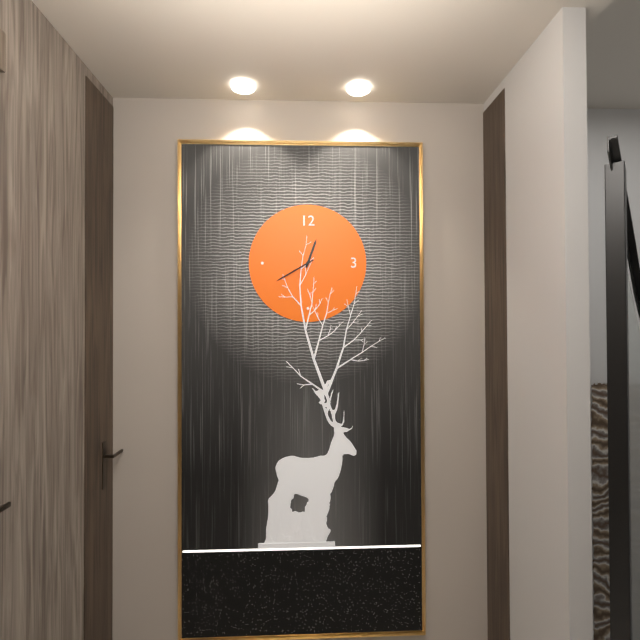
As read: 12h40
